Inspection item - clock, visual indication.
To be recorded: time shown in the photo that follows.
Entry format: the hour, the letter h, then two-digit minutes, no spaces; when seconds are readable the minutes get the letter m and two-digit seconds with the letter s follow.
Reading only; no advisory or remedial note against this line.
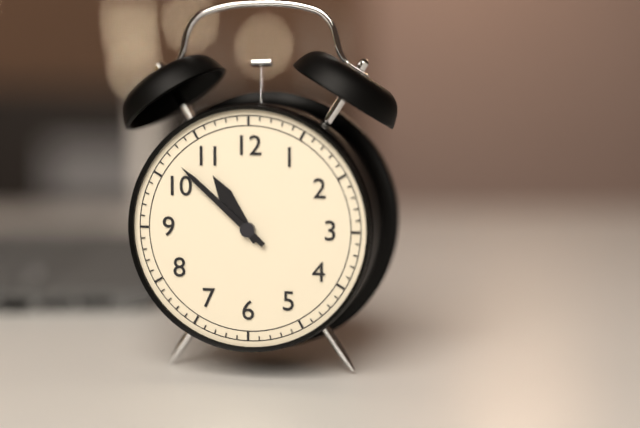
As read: 10h52
